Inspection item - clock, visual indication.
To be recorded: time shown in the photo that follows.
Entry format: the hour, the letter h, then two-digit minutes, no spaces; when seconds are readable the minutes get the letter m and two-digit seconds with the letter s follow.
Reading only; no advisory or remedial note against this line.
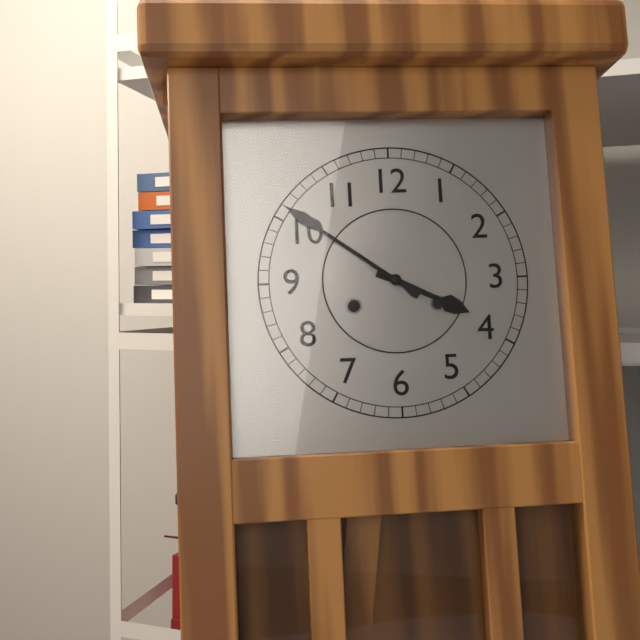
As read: 3h51
